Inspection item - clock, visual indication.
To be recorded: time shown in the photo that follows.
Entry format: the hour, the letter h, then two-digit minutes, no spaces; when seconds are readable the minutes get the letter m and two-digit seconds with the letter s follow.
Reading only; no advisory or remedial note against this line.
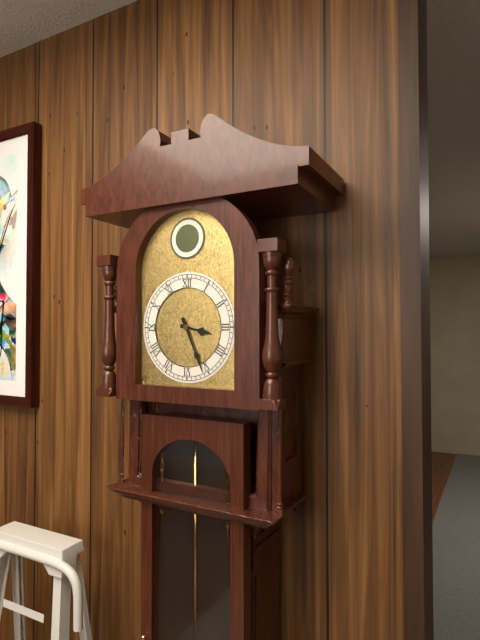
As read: 3h26
